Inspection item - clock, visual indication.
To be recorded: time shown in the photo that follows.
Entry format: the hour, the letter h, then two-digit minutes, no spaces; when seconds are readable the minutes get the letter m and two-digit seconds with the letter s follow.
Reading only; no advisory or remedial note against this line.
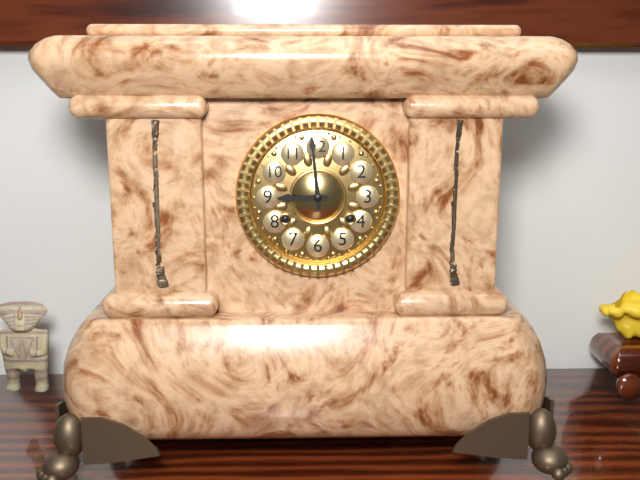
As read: 8h59
